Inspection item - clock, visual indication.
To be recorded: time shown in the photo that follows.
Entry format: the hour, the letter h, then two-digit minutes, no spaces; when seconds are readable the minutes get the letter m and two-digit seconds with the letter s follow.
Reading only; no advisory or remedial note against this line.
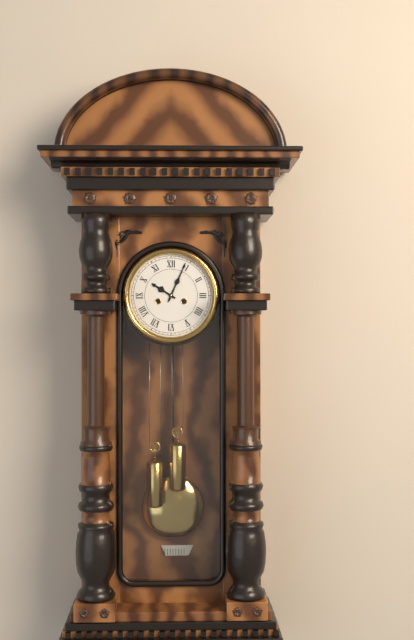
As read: 10h04
